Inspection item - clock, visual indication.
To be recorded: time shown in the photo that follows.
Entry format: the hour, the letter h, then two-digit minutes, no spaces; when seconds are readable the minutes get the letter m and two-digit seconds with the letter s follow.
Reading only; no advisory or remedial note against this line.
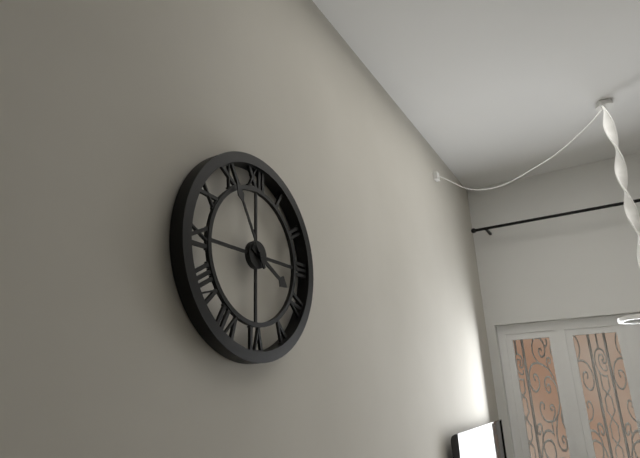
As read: 3h55
